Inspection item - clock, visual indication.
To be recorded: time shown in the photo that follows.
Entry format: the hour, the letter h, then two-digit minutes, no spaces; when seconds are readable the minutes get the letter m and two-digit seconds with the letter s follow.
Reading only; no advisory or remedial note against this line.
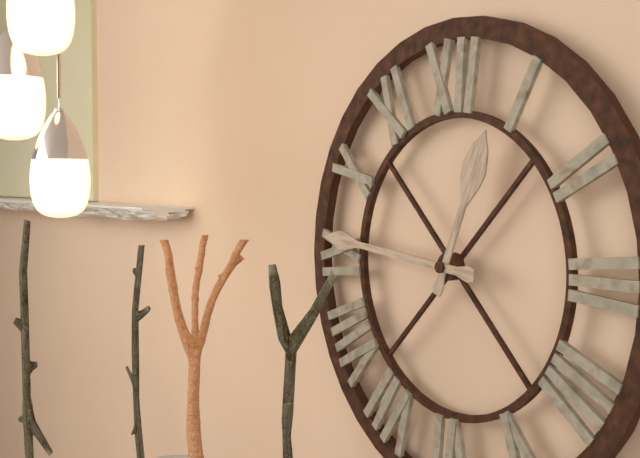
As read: 12h46
